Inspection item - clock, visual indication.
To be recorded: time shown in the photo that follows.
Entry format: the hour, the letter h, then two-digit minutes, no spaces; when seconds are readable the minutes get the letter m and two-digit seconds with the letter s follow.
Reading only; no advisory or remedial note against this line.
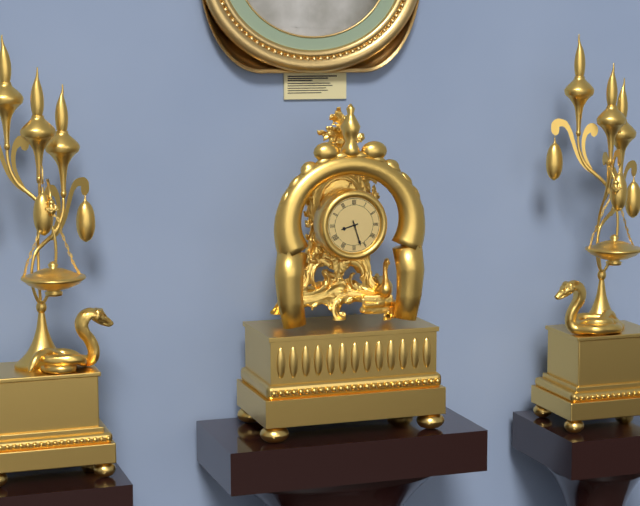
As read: 8h27
